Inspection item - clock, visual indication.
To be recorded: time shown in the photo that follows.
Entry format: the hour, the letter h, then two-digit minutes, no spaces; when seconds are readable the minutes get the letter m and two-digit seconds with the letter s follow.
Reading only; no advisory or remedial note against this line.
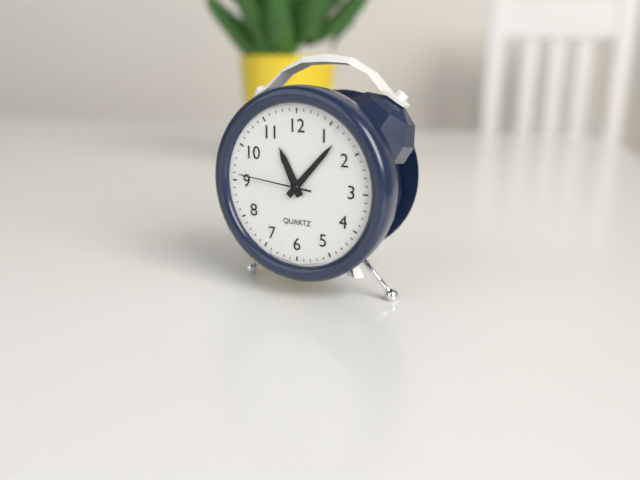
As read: 11h07m46s
